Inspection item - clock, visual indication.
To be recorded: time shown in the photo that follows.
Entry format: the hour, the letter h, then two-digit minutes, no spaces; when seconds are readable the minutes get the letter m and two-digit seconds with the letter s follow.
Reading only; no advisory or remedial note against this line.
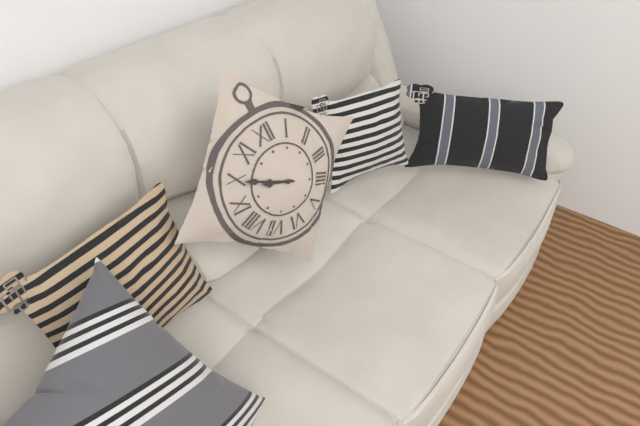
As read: 9h50
